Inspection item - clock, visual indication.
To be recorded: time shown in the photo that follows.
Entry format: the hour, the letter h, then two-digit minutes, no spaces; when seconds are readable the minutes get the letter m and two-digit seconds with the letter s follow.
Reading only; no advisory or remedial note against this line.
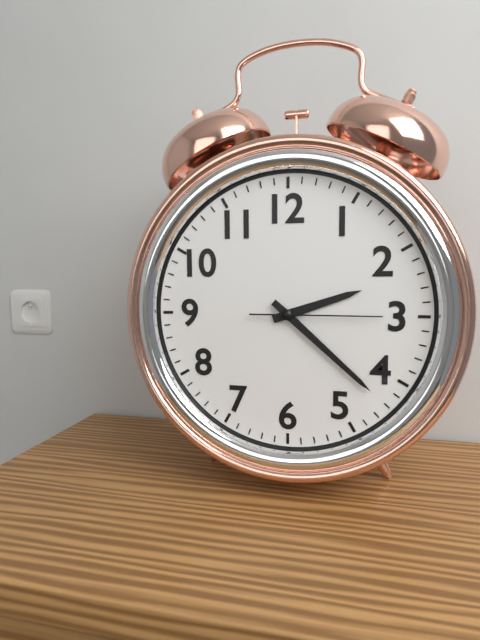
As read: 2h22m15s
